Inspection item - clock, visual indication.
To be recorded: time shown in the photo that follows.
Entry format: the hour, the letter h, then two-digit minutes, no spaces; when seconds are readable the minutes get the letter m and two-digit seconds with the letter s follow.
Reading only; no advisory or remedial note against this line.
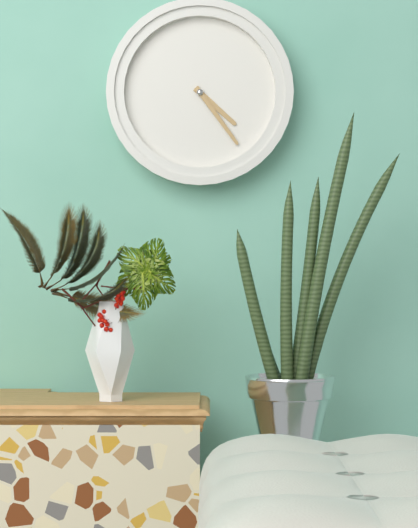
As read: 4h24
